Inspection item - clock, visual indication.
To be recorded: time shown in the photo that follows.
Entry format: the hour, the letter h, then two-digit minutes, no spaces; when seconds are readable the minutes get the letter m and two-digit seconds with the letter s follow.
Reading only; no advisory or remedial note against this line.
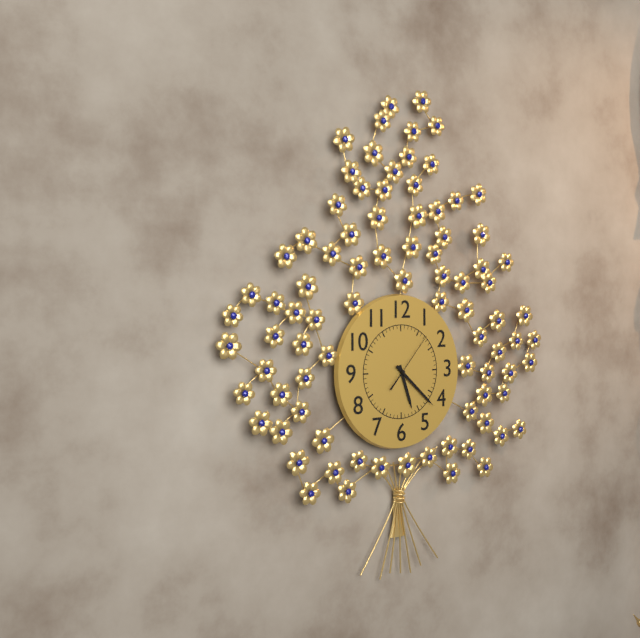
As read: 5h22m07s
